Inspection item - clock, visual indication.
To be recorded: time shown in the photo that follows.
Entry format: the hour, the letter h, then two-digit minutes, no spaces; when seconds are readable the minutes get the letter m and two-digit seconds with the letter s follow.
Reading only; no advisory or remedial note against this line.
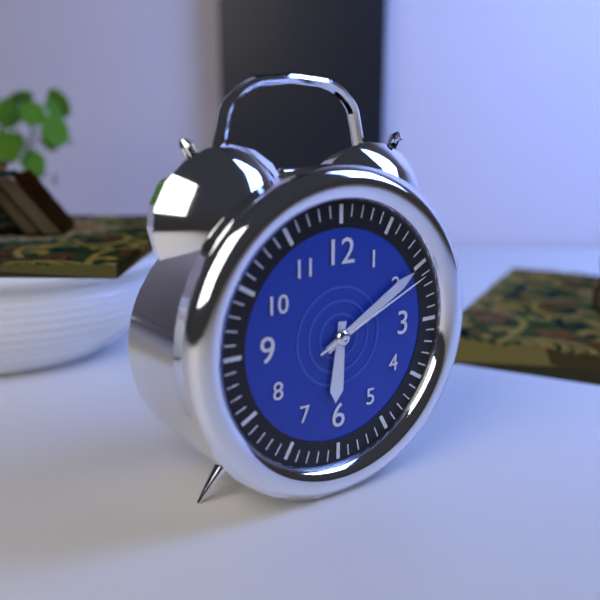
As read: 6h10m11s
